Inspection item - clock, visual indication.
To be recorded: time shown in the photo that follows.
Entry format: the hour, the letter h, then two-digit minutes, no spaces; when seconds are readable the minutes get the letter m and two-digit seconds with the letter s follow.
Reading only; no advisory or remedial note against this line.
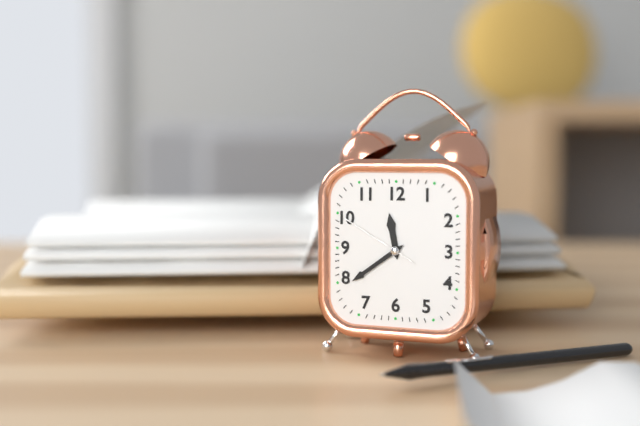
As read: 11h39m50s
